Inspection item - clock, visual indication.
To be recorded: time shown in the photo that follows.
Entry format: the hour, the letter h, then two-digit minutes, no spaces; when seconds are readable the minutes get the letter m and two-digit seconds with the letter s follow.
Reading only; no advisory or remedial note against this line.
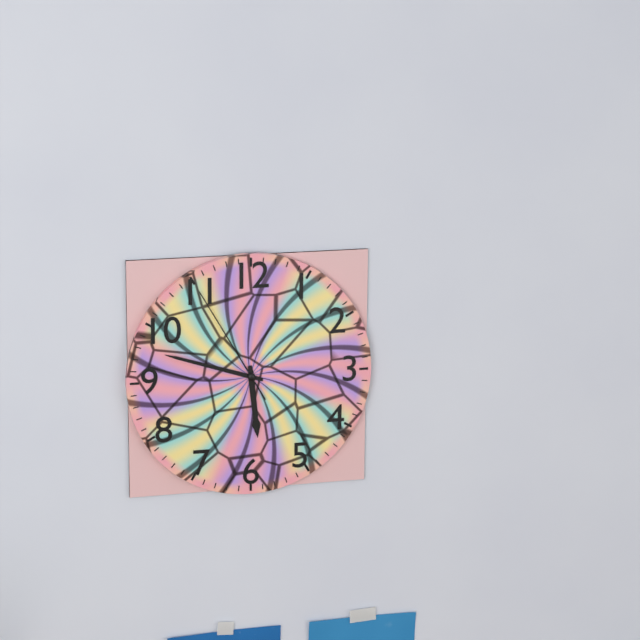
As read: 5h48m55s
